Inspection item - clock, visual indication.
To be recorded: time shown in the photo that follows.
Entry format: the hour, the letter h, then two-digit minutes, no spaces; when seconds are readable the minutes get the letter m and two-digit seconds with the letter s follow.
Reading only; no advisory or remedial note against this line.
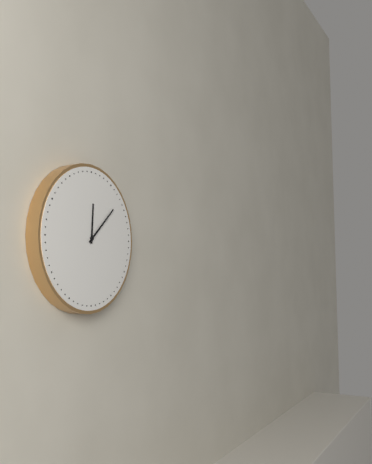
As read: 12h08
